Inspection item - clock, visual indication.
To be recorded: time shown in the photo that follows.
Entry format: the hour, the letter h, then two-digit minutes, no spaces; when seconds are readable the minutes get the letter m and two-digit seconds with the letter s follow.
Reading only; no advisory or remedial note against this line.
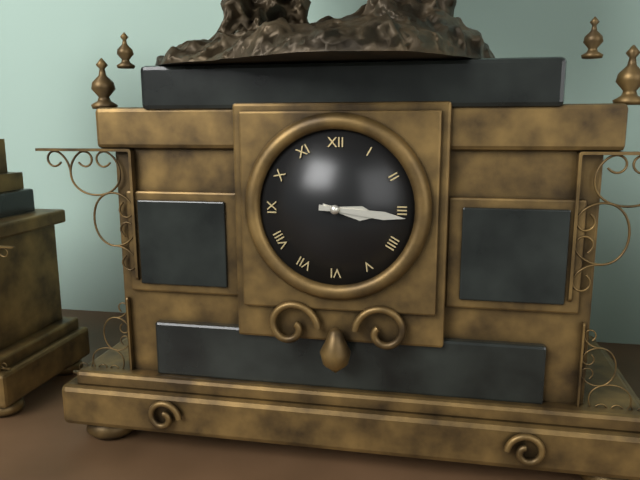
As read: 3h16
